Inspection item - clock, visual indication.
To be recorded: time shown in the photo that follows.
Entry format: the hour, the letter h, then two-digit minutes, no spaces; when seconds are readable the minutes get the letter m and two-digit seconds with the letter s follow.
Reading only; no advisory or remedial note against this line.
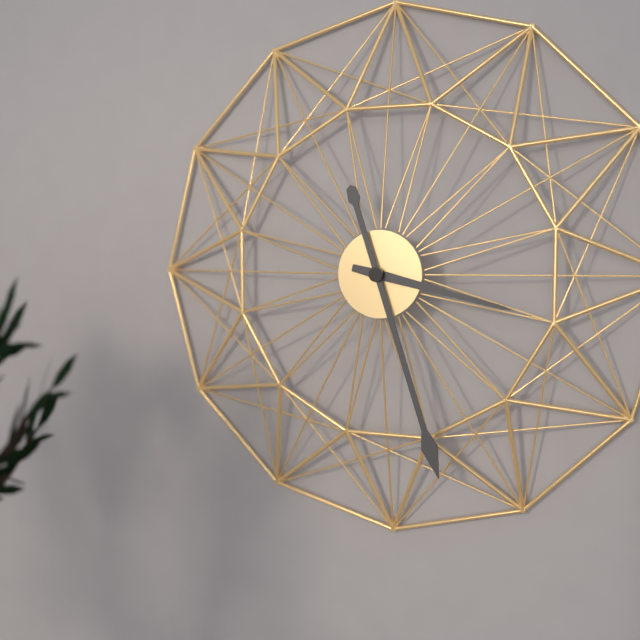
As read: 3h27
